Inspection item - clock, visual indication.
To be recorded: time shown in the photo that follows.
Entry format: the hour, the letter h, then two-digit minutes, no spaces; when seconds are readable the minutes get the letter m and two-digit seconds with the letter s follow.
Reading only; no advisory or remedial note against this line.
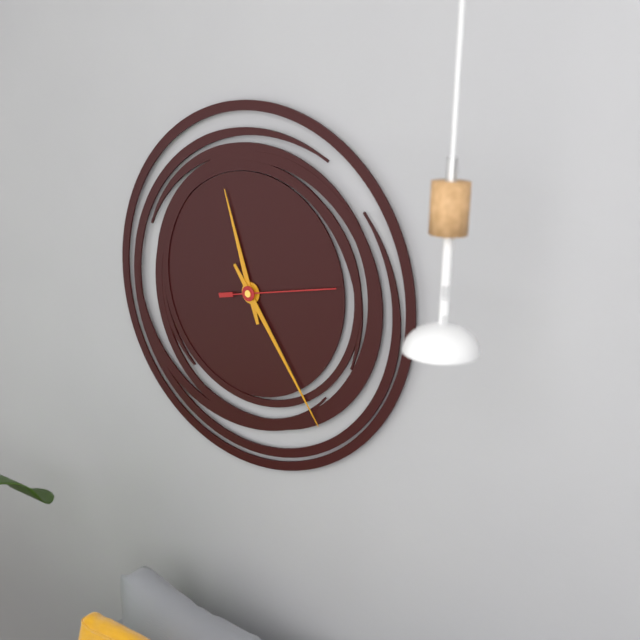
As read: 11h24m13s
